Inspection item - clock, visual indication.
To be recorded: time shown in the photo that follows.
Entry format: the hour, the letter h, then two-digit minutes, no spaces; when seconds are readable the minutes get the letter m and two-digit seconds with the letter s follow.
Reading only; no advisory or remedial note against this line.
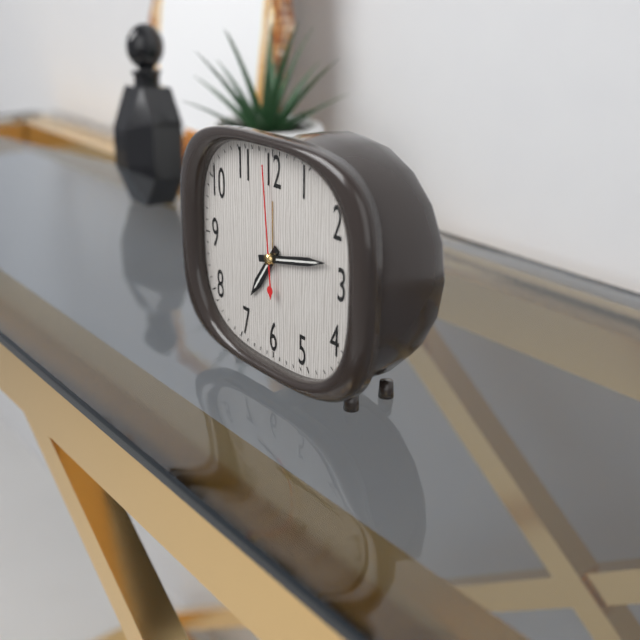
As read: 7h13m59s
